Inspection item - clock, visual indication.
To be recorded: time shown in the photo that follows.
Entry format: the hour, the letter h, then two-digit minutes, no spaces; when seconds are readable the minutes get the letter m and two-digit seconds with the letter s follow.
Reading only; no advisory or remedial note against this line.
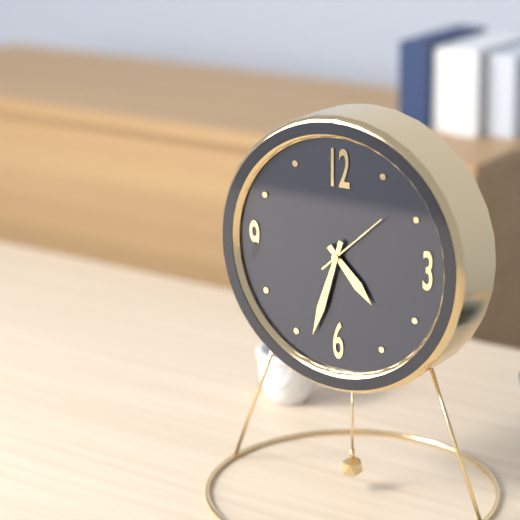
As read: 4h33m08s
